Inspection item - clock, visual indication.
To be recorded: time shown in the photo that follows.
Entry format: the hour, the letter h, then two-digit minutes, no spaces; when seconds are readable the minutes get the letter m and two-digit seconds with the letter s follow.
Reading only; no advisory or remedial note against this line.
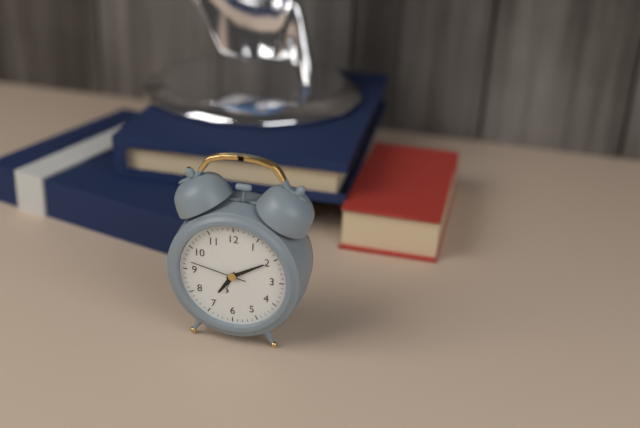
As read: 7h10m47s
